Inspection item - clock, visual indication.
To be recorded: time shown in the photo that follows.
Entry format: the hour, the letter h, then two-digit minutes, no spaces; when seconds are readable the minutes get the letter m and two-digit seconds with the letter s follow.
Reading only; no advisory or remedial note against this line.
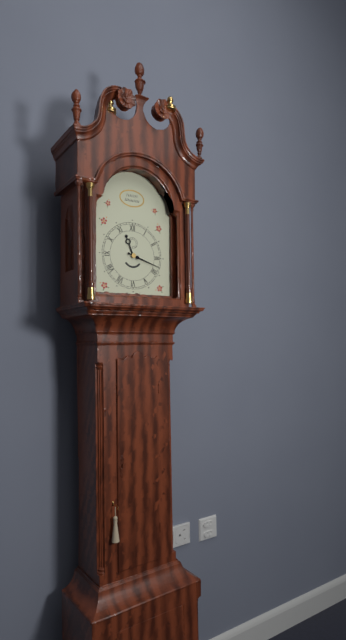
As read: 11h18
